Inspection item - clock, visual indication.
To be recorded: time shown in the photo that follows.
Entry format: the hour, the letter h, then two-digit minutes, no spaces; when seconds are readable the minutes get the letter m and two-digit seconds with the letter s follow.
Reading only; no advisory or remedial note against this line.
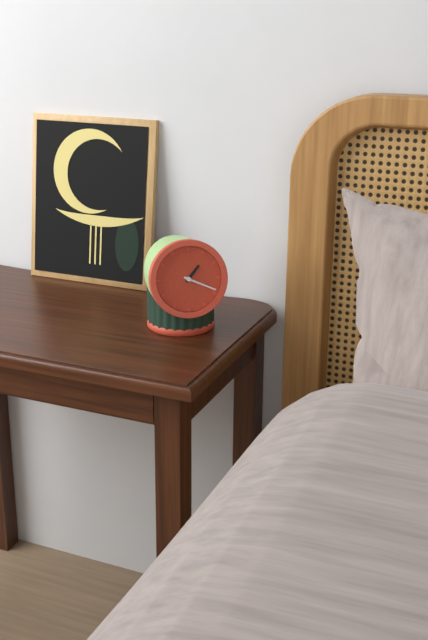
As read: 1h19
